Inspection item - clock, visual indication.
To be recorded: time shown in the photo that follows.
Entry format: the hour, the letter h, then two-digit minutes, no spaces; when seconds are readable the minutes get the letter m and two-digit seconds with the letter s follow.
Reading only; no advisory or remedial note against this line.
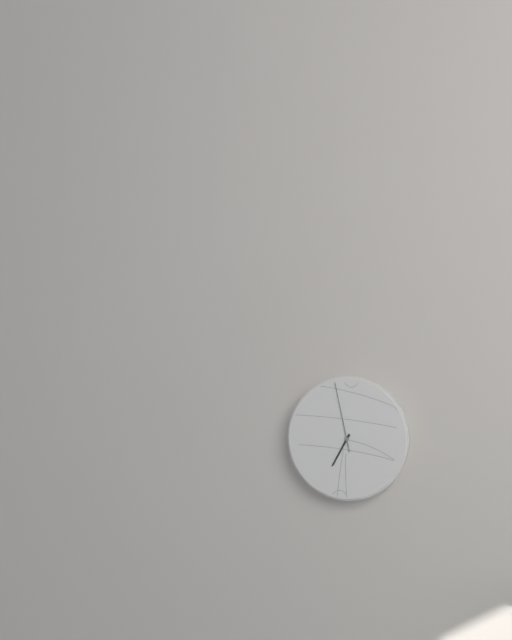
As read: 6h58
